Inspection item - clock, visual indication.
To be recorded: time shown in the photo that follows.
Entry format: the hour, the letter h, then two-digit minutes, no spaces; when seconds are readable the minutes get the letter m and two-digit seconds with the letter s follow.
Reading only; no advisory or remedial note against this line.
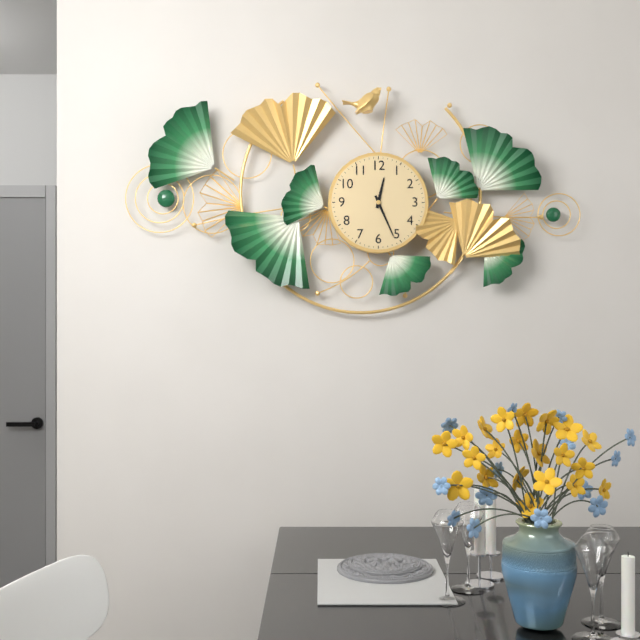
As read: 12h26
